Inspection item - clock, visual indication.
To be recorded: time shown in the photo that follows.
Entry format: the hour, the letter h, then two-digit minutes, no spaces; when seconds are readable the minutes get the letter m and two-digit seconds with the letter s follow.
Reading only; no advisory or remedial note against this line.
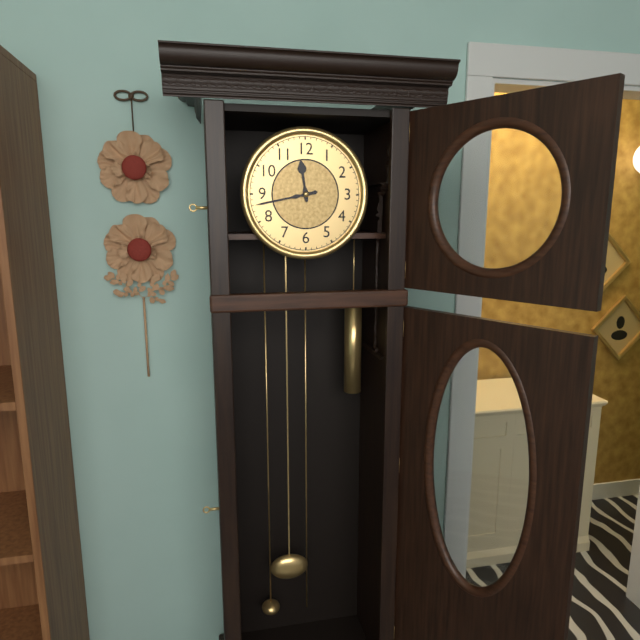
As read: 11h43
